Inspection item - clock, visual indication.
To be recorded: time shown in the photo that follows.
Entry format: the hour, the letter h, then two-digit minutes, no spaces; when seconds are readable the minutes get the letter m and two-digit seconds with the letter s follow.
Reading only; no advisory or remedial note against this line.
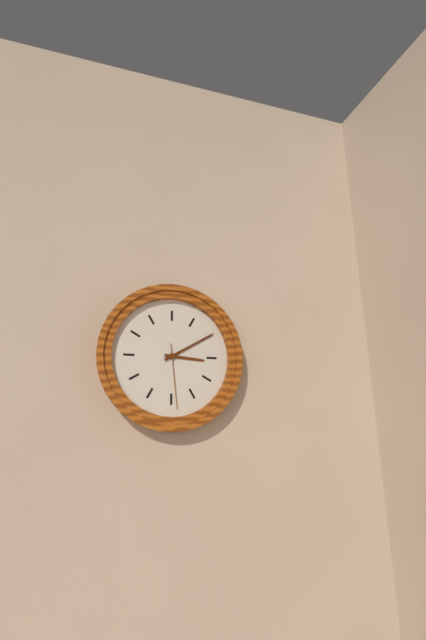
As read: 3h10m29s
